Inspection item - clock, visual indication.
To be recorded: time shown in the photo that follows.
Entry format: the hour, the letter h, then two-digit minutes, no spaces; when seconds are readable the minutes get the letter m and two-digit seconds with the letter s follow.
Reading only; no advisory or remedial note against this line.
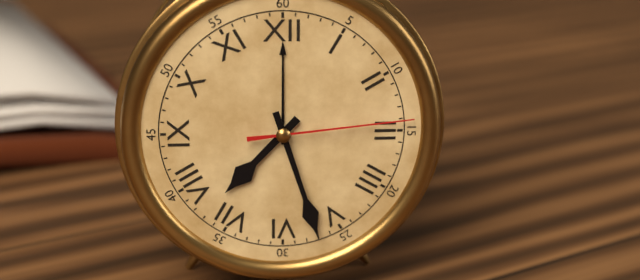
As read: 7h27m14s
